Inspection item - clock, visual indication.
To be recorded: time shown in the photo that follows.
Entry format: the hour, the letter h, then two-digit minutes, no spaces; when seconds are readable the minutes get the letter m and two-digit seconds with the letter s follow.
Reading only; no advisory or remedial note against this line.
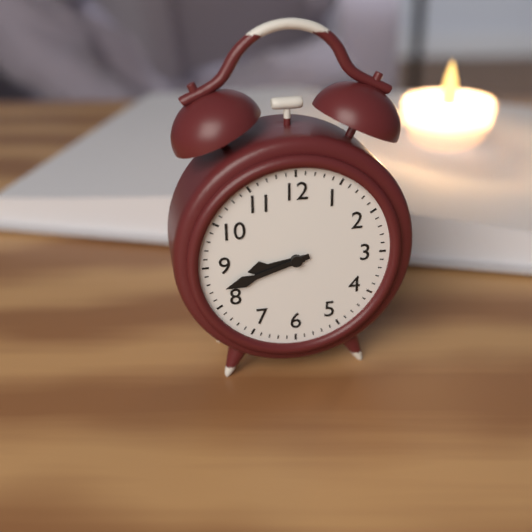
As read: 8h42
